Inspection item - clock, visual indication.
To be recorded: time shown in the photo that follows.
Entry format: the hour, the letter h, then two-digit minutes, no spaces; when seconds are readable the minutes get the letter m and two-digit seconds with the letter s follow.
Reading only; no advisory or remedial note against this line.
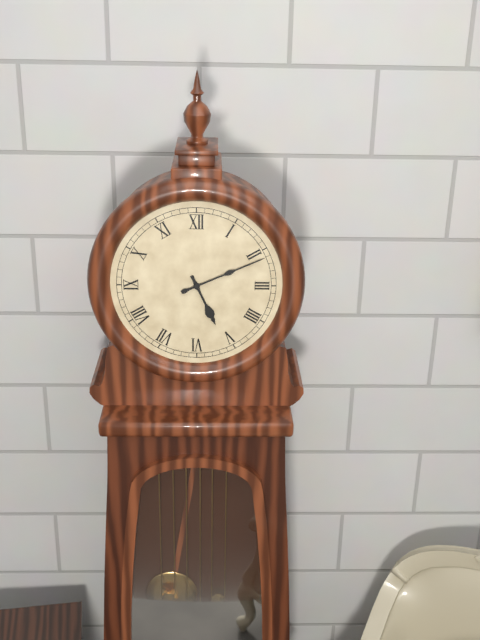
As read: 5h11
